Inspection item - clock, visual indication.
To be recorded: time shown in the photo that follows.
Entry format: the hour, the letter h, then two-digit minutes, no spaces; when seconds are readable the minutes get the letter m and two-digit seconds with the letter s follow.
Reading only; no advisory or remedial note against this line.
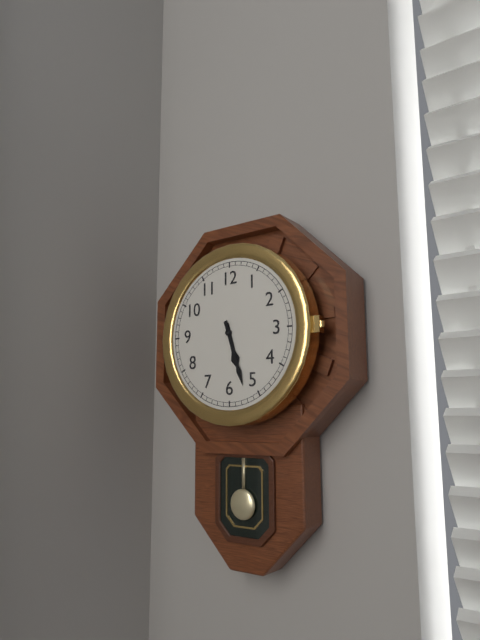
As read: 5h27
